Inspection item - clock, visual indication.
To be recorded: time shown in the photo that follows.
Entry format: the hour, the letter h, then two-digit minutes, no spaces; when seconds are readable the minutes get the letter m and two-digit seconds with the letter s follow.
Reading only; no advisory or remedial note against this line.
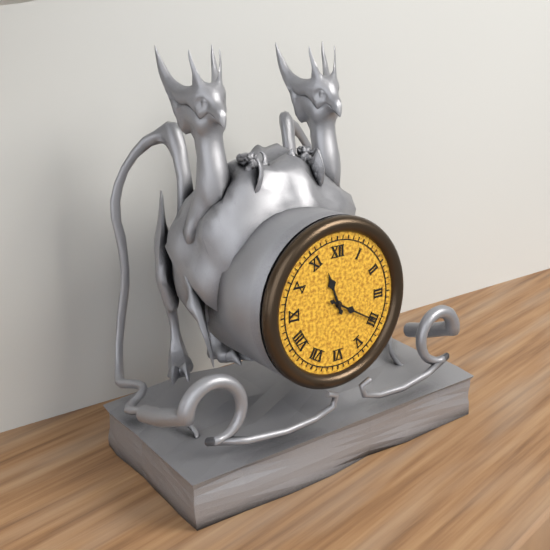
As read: 11h20
